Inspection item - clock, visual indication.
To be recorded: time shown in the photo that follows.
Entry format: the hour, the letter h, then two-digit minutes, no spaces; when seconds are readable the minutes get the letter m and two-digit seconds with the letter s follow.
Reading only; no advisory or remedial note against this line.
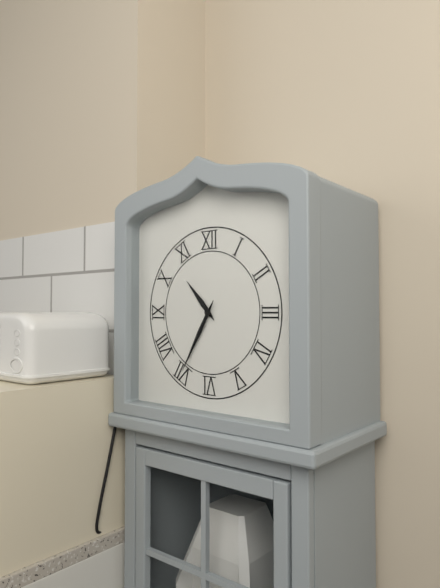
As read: 10h35
